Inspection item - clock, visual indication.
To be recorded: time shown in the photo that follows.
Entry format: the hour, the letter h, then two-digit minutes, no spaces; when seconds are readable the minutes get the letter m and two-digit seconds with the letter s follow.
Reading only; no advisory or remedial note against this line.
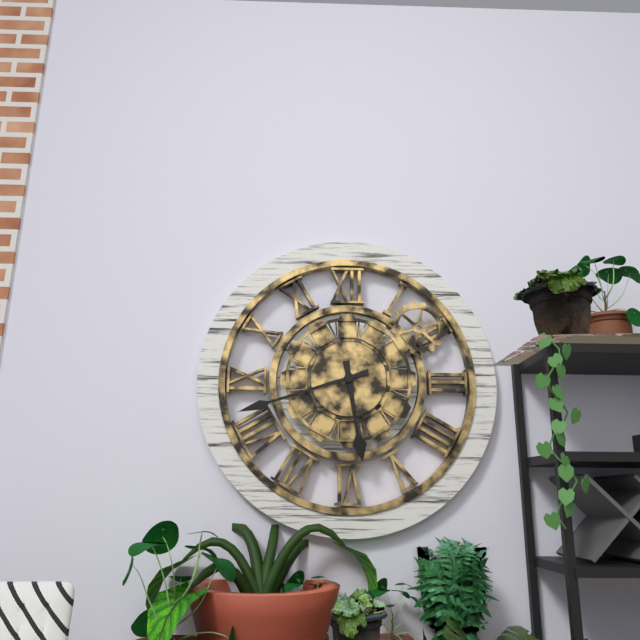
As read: 5h42
